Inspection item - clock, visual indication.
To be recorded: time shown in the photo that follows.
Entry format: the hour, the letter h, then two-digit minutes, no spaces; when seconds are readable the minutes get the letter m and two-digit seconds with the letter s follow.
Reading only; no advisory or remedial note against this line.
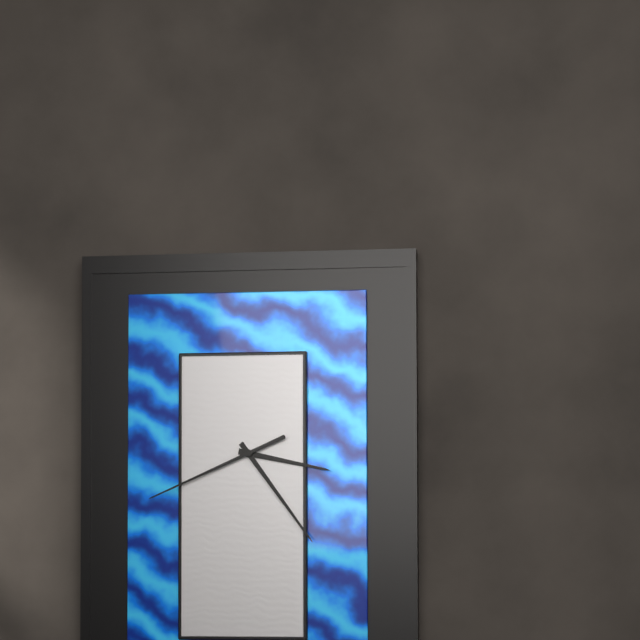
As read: 3h24m41s
